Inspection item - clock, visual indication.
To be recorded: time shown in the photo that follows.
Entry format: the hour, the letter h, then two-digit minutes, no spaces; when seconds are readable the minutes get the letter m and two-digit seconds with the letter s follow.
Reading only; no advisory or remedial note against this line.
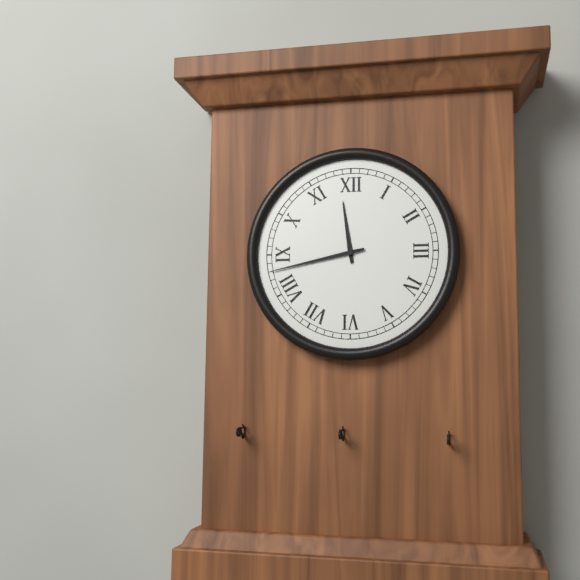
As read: 11h43
